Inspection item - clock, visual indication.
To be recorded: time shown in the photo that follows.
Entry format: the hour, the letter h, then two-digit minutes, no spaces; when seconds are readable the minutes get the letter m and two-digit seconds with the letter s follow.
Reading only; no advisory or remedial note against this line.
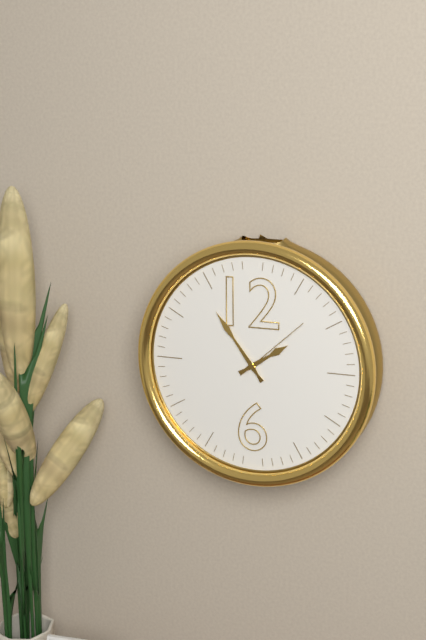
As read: 1h54m08s
